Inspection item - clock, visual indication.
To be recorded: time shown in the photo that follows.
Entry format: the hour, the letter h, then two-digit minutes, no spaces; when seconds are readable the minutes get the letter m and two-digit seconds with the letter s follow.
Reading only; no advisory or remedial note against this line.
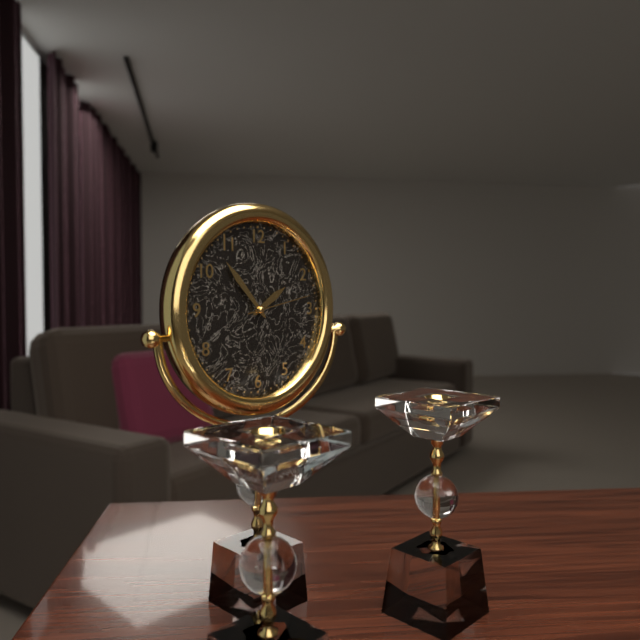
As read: 1h53m13s
